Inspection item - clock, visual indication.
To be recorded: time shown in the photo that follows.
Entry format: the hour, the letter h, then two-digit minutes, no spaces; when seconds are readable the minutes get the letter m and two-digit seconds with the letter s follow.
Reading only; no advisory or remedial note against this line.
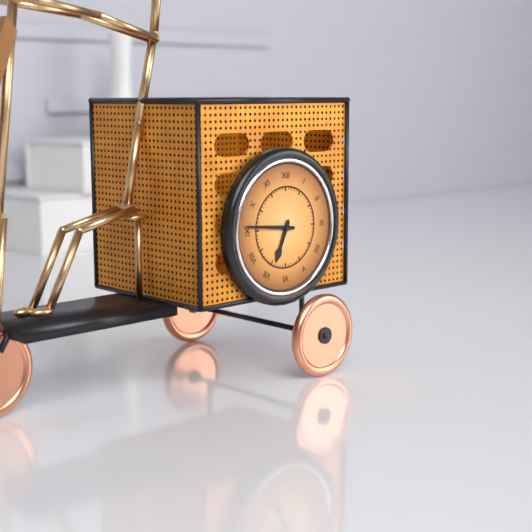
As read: 6h46
